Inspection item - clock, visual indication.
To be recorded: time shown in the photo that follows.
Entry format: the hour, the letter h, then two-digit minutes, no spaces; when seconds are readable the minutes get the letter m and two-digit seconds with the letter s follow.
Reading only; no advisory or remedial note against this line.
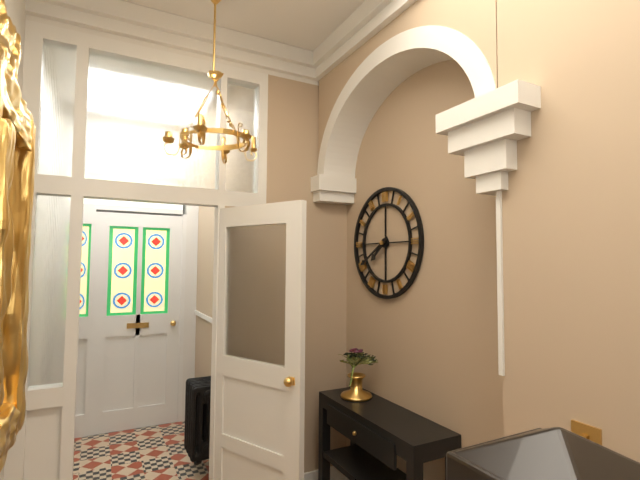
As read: 7h40
